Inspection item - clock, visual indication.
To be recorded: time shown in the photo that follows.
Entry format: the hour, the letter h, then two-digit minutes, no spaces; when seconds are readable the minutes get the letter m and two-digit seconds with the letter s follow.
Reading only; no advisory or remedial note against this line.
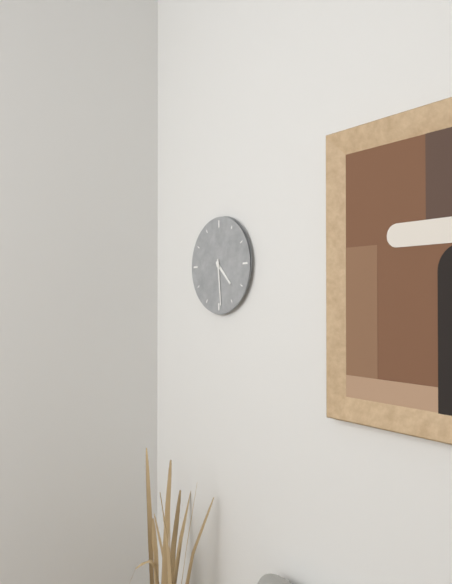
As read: 4h29
